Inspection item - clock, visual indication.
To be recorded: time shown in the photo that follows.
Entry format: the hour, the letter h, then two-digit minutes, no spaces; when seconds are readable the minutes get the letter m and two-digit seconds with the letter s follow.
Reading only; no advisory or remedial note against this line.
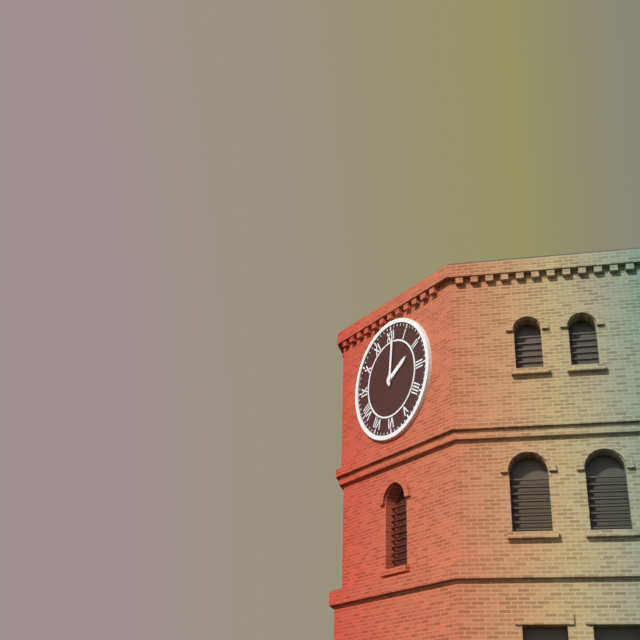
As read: 2h01
